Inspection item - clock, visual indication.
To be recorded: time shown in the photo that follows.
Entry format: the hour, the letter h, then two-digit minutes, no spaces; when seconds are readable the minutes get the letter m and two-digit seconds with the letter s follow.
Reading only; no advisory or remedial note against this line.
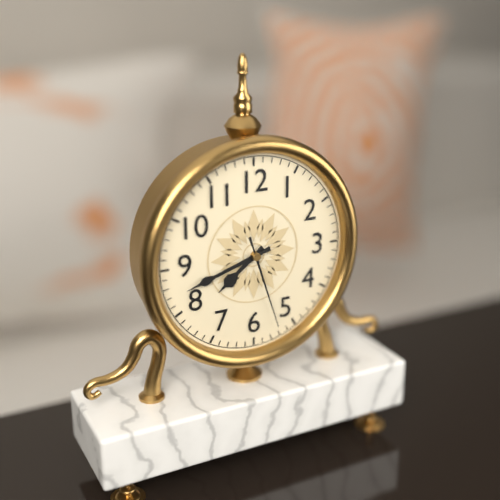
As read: 7h42m27s
